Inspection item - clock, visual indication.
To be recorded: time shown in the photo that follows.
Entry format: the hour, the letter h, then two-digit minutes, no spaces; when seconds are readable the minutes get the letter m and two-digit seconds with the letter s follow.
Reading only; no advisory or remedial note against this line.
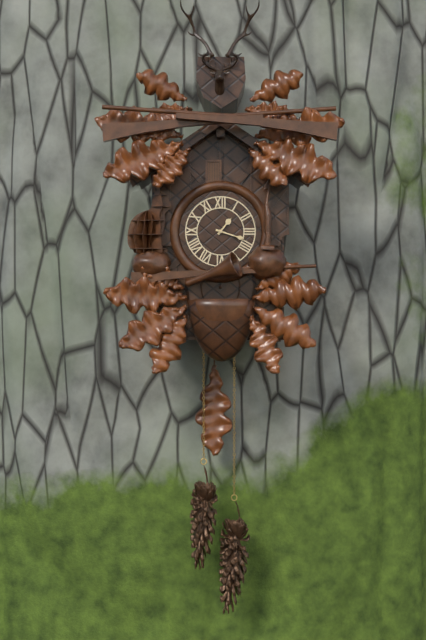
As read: 1h18
